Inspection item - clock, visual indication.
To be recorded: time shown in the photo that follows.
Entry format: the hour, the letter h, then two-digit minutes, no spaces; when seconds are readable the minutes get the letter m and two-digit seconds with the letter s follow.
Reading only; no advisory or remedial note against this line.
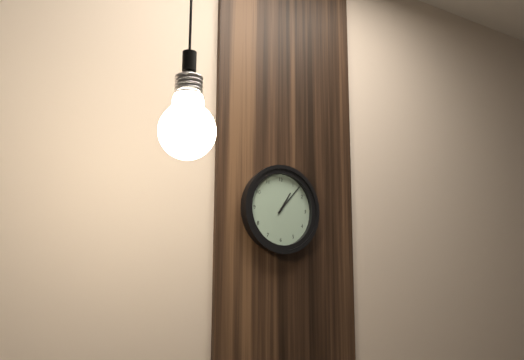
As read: 1h07
